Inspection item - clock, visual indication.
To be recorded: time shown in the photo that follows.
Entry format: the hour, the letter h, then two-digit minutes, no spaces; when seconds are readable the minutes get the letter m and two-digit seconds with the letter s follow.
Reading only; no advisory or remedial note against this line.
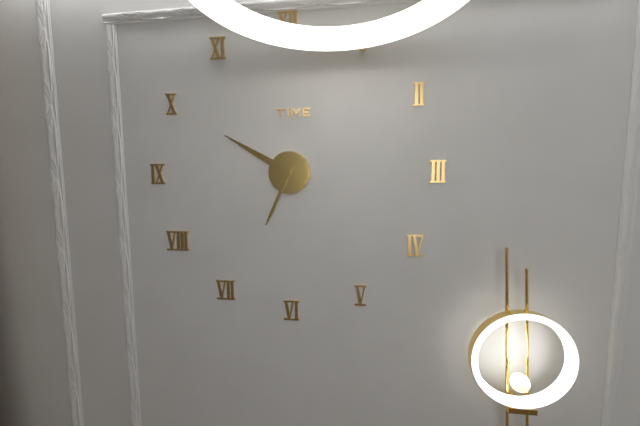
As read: 6h50
